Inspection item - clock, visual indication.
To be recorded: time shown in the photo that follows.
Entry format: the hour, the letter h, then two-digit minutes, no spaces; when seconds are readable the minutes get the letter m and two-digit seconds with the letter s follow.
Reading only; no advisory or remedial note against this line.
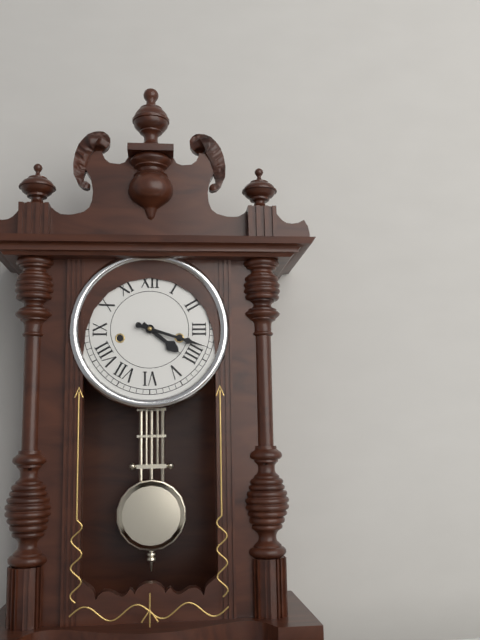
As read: 4h18
